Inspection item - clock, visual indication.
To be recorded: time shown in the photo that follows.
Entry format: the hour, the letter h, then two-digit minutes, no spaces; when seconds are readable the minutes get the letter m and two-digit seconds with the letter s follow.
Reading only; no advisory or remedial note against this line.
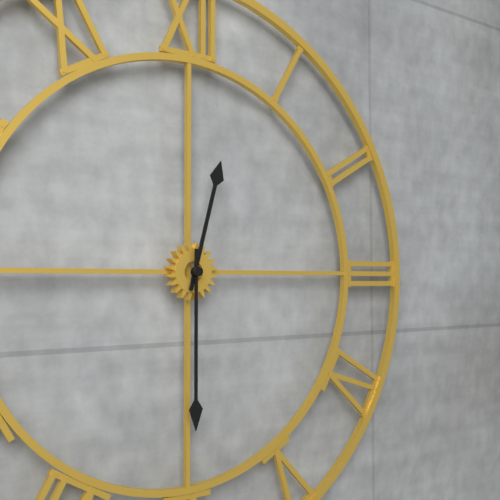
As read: 12h30
